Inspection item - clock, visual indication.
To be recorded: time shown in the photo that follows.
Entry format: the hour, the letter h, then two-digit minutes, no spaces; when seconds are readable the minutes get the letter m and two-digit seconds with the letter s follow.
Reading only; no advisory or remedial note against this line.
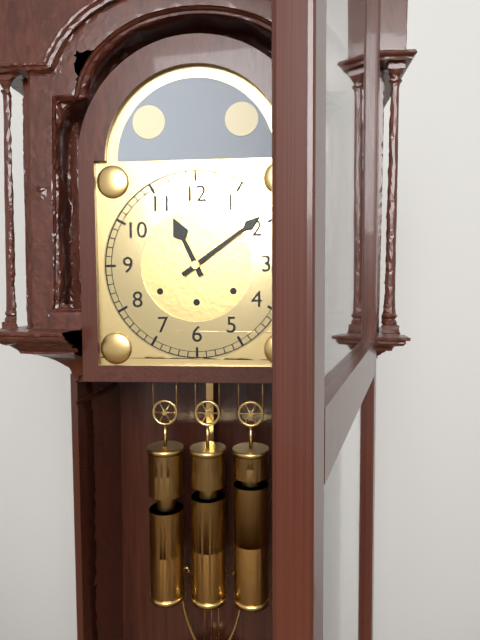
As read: 11h09
